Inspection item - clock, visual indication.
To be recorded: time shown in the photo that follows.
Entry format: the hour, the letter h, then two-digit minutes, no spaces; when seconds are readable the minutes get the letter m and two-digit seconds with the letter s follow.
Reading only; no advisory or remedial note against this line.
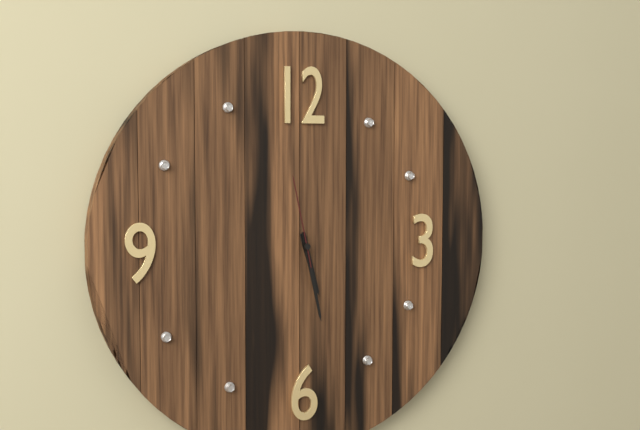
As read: 5h28m58s
